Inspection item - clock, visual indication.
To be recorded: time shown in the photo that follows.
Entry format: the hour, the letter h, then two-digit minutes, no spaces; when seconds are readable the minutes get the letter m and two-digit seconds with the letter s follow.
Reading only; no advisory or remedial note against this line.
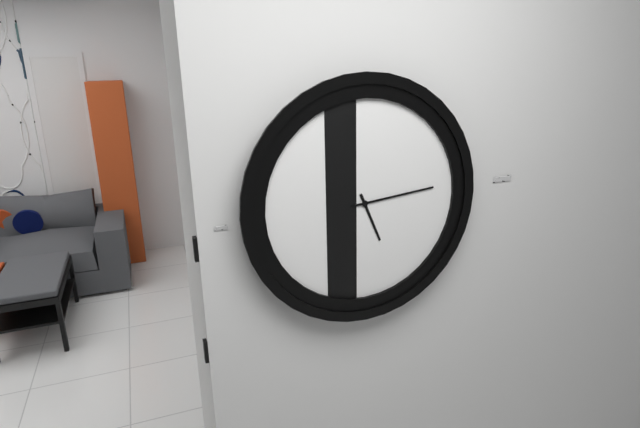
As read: 5h14
